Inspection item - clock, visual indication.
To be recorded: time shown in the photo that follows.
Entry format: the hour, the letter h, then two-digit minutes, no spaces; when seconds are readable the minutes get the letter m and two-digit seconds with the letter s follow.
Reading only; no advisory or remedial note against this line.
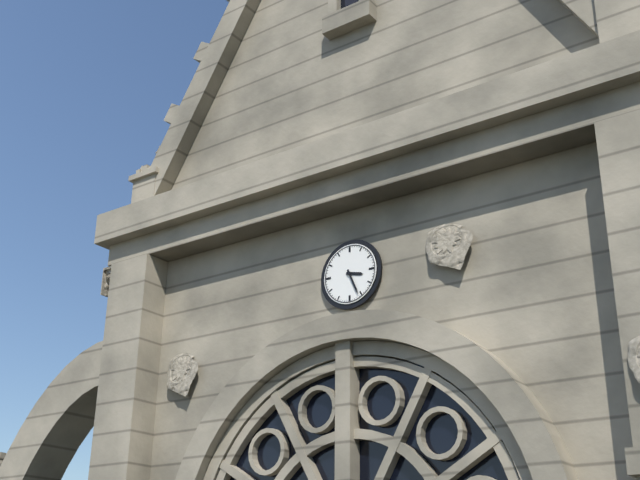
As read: 3h26
